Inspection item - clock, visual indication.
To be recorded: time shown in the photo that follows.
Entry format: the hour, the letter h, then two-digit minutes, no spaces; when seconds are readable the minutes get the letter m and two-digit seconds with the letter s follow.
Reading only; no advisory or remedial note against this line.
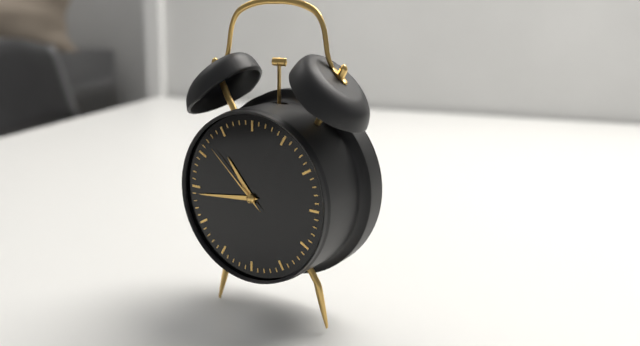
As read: 10h44m52s
